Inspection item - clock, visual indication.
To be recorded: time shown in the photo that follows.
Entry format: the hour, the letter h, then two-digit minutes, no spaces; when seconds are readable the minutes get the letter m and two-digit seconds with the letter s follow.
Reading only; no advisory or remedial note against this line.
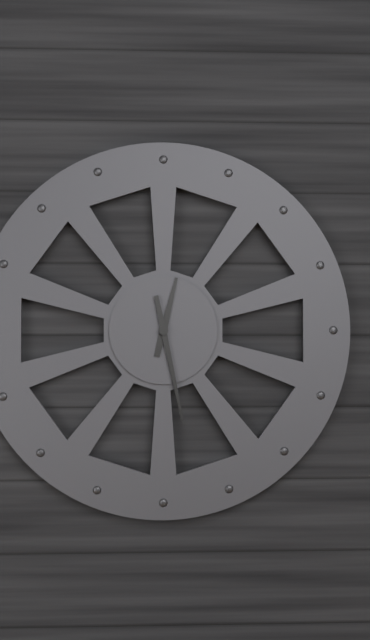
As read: 12h28
